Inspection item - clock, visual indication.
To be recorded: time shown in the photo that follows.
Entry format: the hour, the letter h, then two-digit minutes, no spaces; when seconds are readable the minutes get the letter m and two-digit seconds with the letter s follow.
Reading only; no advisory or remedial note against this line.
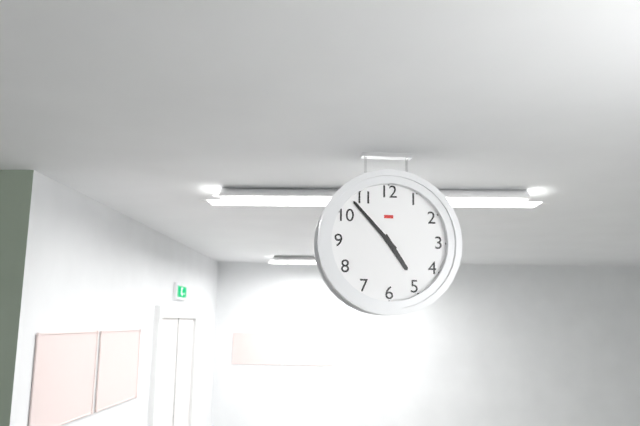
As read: 4h53
